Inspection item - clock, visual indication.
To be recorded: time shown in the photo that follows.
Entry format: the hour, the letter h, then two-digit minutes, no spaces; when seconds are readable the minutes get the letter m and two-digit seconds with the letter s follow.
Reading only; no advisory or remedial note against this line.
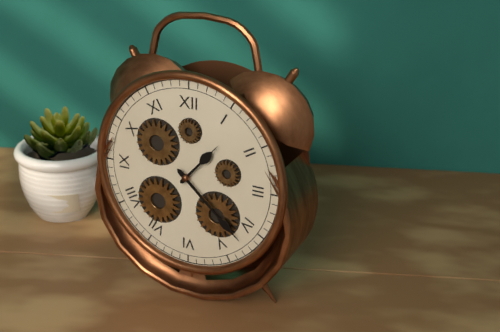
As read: 1h22
